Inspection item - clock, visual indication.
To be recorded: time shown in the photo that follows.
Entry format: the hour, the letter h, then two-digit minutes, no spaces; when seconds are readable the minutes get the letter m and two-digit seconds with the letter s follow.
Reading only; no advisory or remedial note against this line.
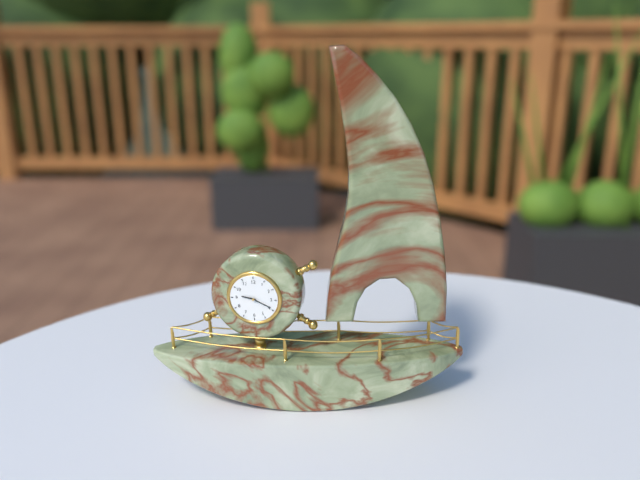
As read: 9h19
